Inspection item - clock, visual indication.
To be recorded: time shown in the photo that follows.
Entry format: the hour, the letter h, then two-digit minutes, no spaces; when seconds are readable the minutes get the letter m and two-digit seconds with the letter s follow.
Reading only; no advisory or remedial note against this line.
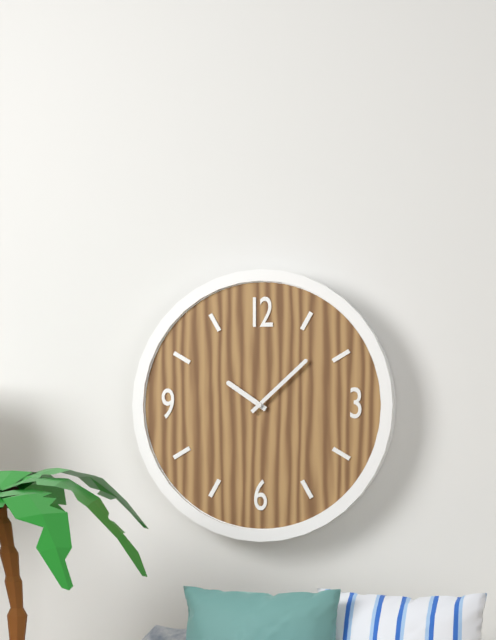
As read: 10h08
